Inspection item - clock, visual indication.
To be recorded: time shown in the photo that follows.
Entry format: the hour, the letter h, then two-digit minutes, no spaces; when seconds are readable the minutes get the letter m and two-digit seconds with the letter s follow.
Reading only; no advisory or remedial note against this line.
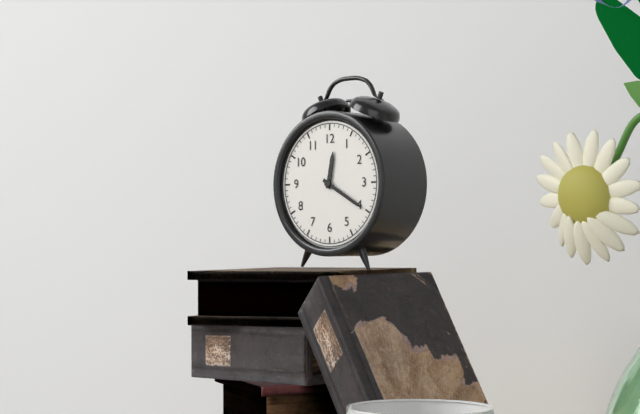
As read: 12h20
